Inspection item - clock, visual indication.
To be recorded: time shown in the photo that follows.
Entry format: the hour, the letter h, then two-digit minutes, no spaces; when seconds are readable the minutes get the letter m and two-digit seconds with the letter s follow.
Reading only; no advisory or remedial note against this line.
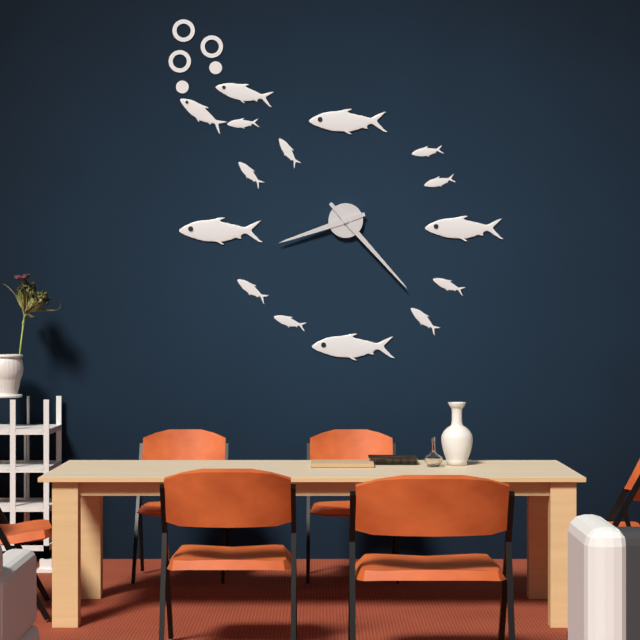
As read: 8h23
